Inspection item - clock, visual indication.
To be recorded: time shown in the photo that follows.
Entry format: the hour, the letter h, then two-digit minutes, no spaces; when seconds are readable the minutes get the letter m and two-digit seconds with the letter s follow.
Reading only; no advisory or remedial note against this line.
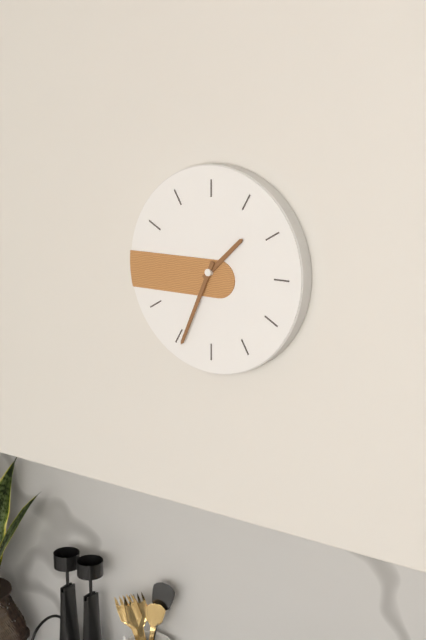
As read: 1h34
